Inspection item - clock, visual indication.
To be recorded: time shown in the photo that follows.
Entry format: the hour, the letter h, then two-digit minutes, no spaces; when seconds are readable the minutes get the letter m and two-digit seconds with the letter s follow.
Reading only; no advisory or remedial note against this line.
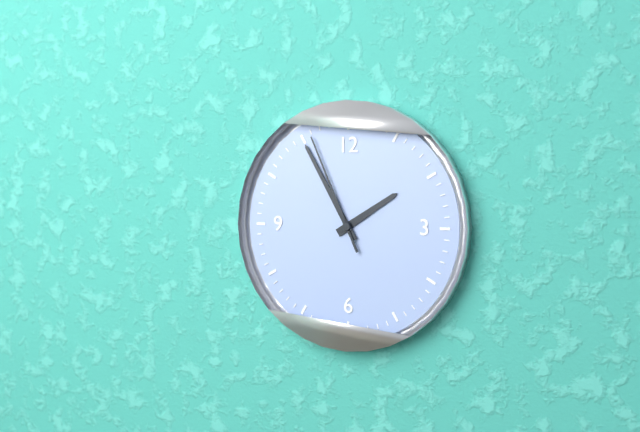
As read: 1h55m56s
